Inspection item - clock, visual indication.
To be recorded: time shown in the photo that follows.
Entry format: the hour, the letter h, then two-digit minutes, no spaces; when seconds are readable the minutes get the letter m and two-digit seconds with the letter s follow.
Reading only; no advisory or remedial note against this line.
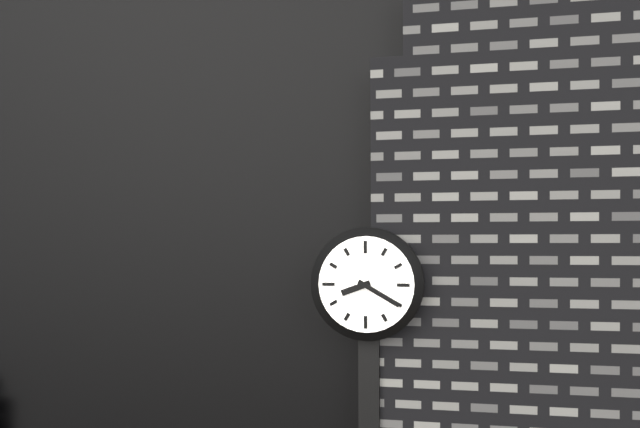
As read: 8h20
